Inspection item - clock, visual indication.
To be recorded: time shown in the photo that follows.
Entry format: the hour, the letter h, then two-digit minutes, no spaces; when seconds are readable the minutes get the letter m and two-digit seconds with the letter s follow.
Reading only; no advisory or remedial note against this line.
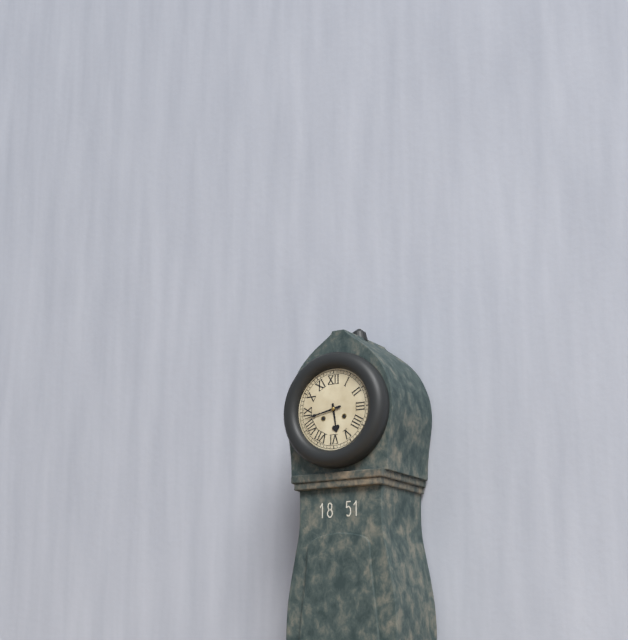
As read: 5h43
